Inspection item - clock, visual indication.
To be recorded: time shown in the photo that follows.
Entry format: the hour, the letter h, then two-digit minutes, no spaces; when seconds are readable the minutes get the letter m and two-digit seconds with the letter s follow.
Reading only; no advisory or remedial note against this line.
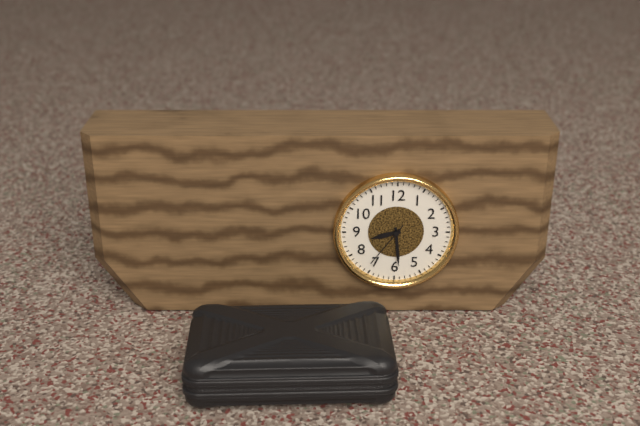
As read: 8h29
